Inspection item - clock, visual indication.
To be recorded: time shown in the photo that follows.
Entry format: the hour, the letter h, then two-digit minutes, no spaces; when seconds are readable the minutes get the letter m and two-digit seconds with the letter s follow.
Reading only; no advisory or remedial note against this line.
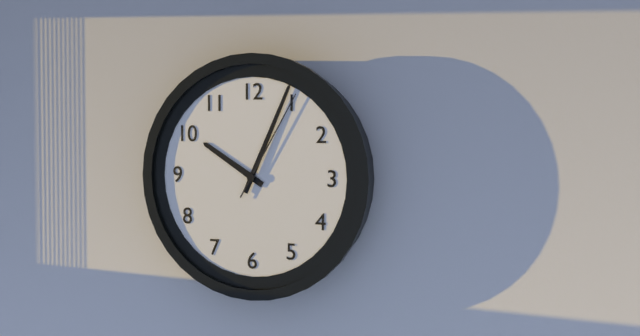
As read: 10h04m05s
